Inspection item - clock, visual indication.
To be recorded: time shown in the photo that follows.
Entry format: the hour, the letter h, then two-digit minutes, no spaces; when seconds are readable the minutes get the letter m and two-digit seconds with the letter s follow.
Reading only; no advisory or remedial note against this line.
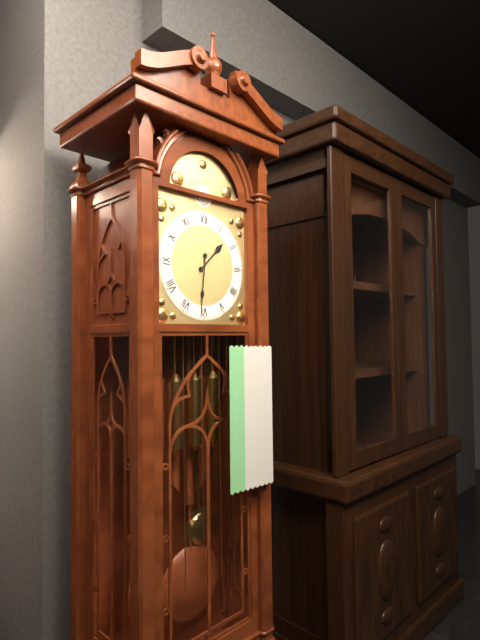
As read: 1h31
